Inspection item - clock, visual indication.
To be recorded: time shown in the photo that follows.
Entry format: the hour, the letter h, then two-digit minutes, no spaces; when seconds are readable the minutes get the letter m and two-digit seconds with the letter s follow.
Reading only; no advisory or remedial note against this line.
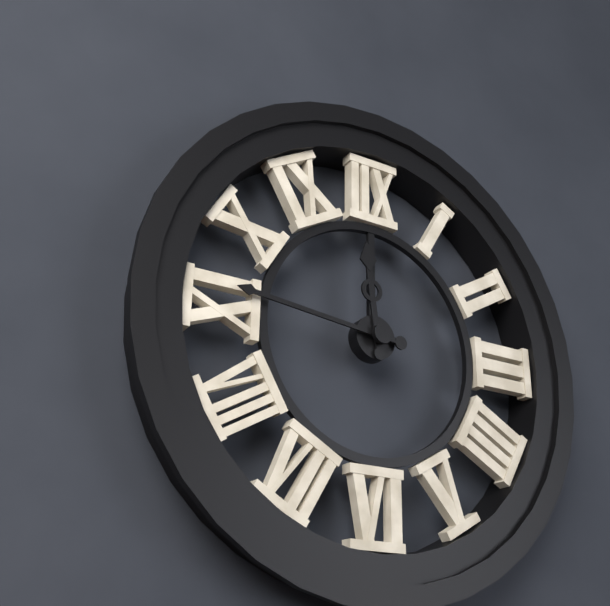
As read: 11h46
